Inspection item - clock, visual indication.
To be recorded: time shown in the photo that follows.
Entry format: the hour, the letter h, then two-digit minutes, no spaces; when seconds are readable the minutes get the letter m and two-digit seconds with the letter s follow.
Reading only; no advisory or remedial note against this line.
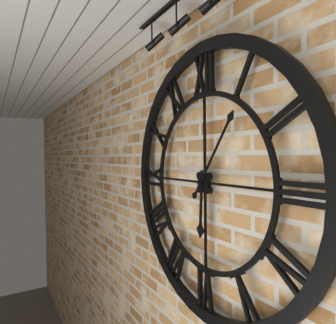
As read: 6h06
